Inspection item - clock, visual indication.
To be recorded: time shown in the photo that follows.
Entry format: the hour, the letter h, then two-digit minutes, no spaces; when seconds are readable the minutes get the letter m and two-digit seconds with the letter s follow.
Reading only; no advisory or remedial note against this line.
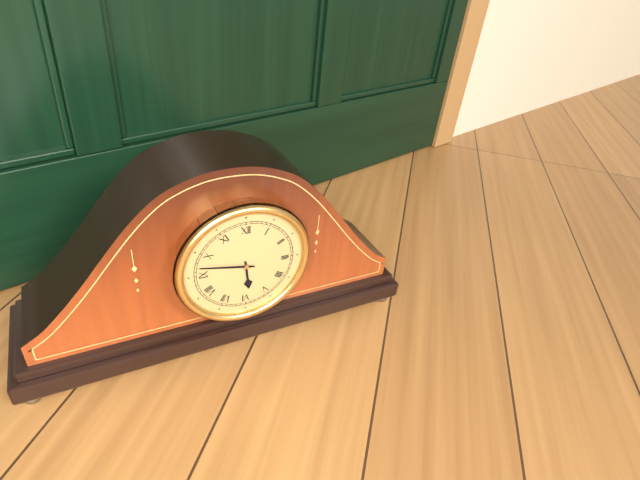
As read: 5h47
